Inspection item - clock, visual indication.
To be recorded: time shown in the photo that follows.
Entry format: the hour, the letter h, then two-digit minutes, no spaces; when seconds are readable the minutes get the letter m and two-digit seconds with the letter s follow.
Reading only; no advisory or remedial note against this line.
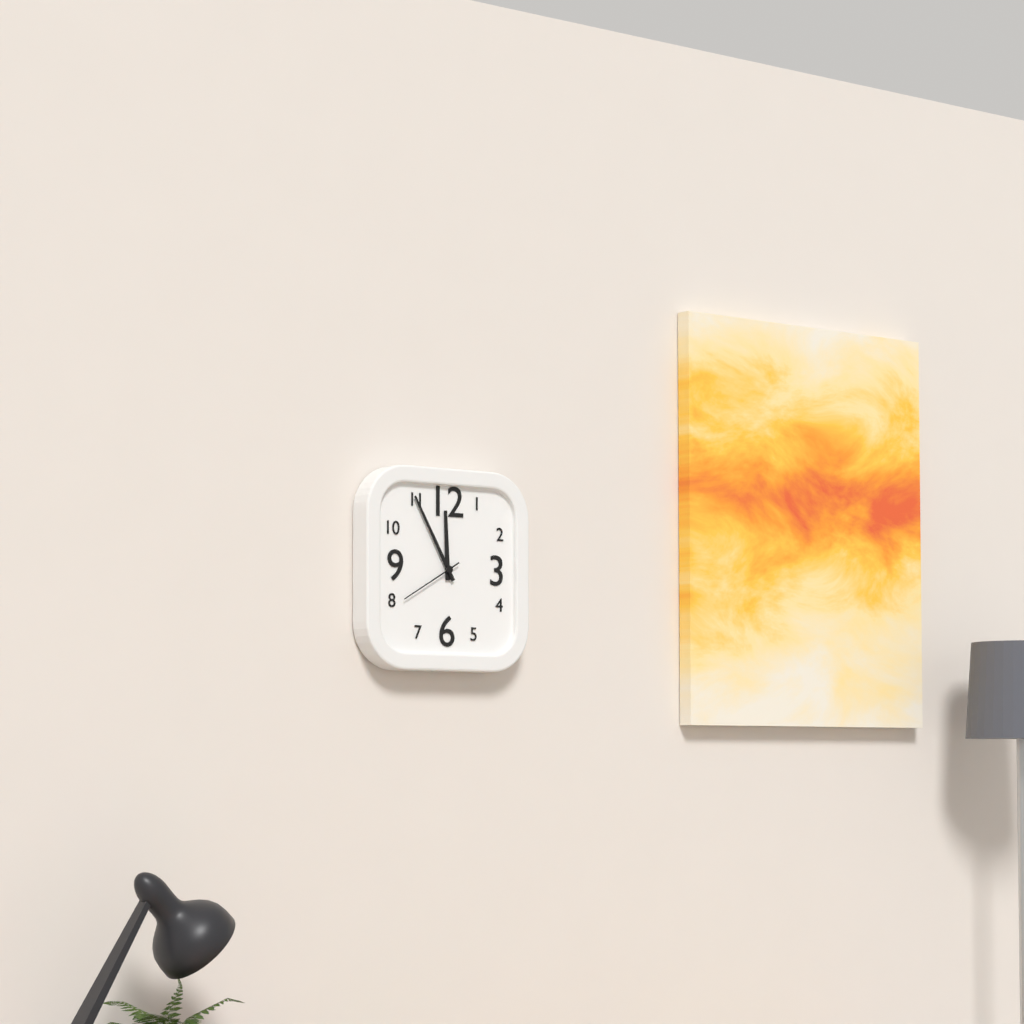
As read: 11h55m40s
